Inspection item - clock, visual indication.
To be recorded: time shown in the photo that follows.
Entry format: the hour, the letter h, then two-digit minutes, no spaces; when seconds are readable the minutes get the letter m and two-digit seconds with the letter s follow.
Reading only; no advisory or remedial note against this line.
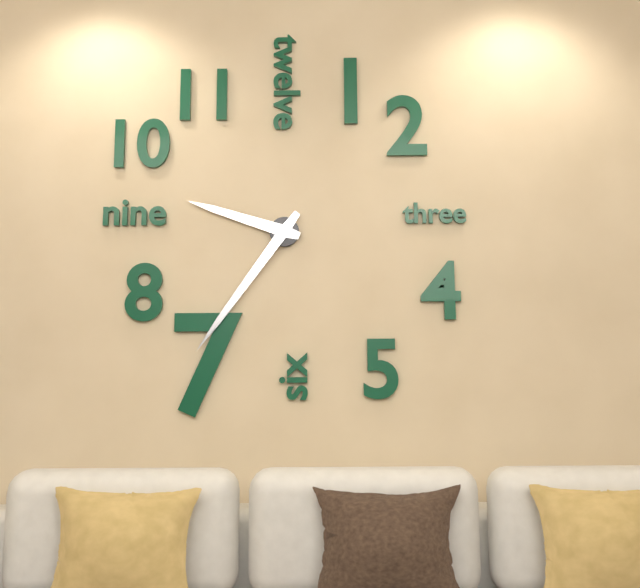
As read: 9h36
